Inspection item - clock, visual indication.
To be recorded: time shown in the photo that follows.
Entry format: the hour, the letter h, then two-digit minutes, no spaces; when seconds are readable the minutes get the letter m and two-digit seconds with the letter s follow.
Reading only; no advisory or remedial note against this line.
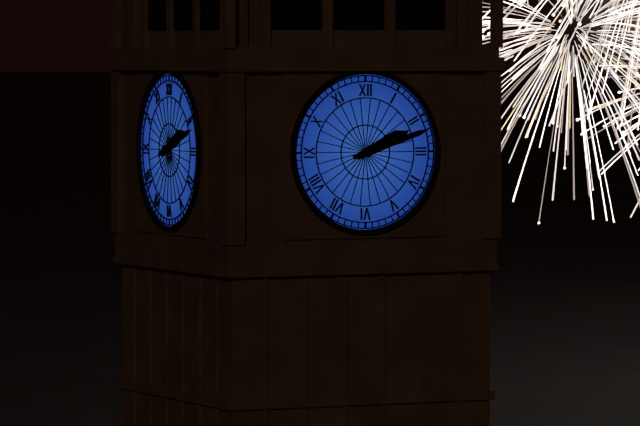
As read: 2h12
